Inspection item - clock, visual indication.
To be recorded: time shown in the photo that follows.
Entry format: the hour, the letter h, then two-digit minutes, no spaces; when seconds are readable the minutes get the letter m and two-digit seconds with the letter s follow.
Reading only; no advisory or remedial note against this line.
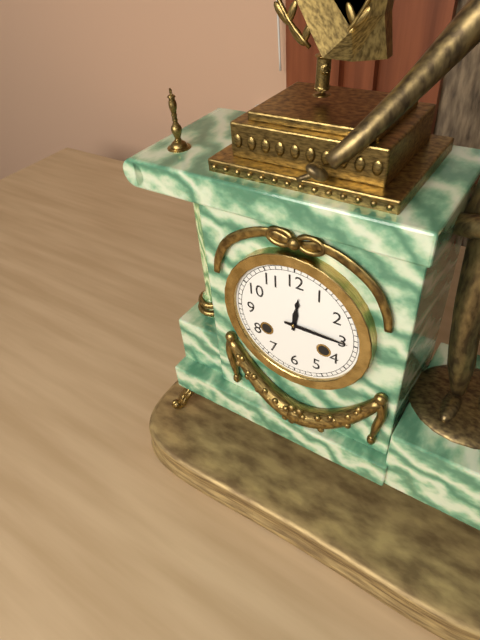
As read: 12h15
